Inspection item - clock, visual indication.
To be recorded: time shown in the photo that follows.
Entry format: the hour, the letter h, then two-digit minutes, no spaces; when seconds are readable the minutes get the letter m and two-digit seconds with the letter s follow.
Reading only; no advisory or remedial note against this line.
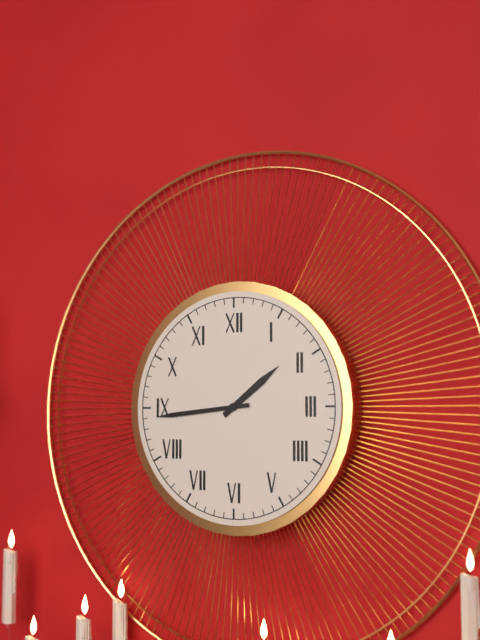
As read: 1h44
